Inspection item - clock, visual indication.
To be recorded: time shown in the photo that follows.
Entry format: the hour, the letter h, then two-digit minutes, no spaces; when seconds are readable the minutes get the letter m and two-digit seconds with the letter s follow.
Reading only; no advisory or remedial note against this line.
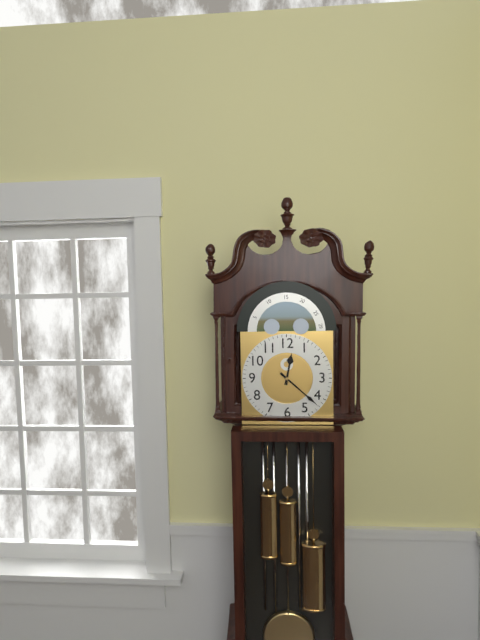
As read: 12h22
